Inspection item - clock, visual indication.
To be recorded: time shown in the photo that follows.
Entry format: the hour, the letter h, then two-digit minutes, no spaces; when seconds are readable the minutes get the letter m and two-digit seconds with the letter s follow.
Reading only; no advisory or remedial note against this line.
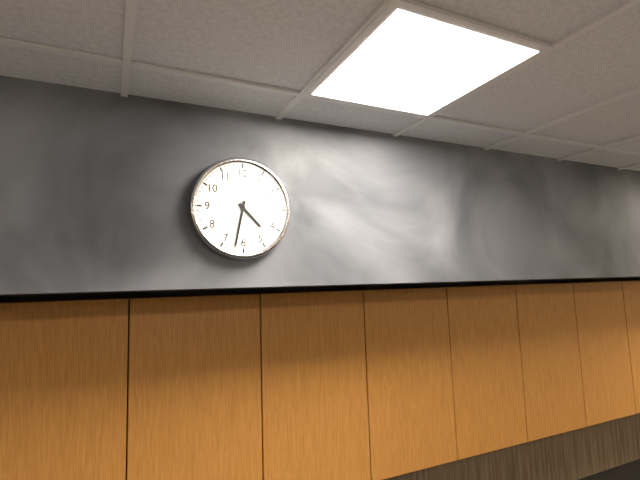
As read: 4h32
